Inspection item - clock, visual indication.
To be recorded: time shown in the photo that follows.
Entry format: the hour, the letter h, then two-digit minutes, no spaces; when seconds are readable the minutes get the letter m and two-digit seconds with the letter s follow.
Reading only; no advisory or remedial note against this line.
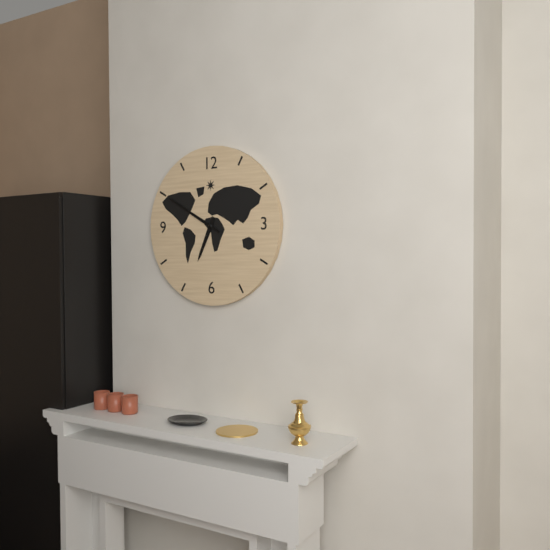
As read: 6h50
